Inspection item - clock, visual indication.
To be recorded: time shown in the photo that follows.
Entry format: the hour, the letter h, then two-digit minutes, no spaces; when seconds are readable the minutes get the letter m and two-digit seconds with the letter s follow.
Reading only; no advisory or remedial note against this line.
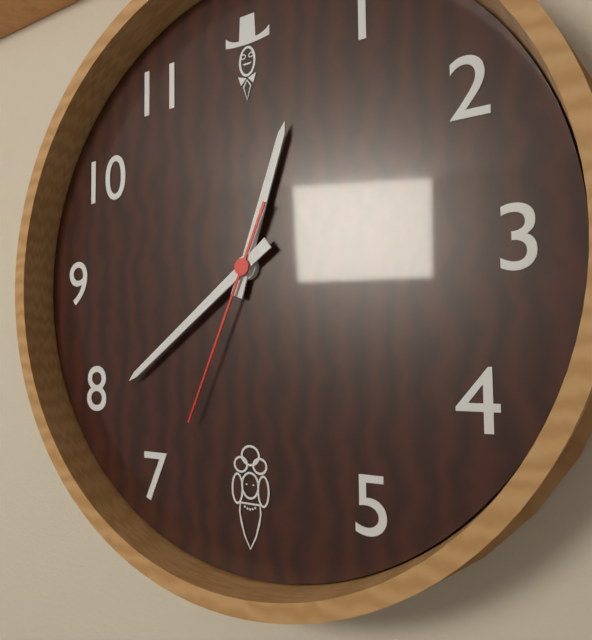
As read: 12h39m34s
